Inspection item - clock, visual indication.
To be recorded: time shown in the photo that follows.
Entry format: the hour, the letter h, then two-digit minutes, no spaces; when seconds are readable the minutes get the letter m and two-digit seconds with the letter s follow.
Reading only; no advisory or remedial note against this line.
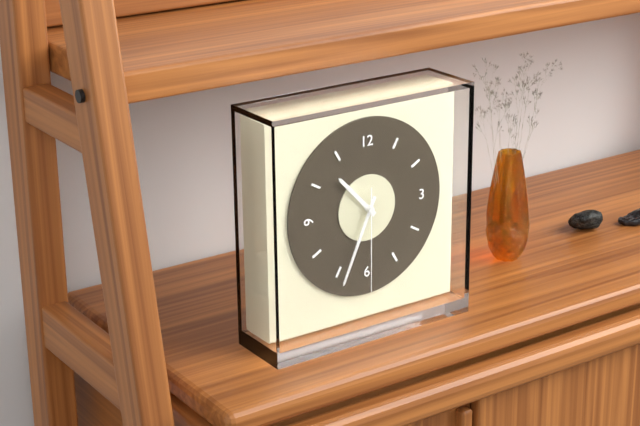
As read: 10h34m30s
